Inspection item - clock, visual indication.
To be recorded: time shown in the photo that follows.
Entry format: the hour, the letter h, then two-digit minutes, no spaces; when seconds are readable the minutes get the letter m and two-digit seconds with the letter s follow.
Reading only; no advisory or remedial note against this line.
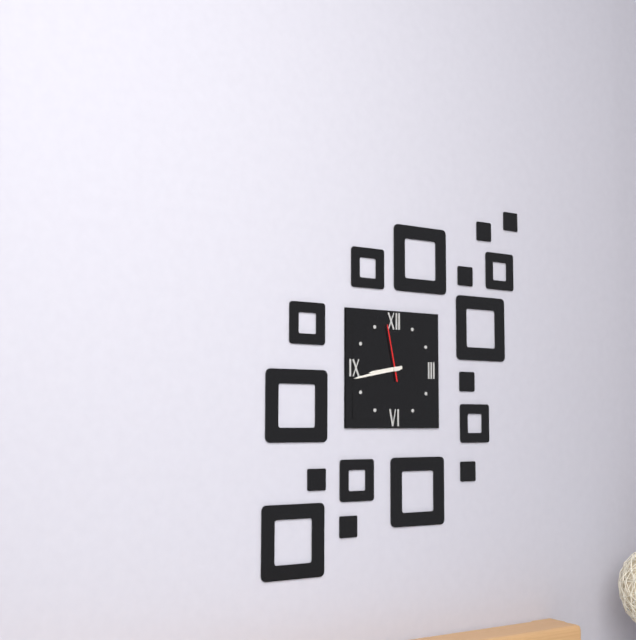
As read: 8h43m58s
